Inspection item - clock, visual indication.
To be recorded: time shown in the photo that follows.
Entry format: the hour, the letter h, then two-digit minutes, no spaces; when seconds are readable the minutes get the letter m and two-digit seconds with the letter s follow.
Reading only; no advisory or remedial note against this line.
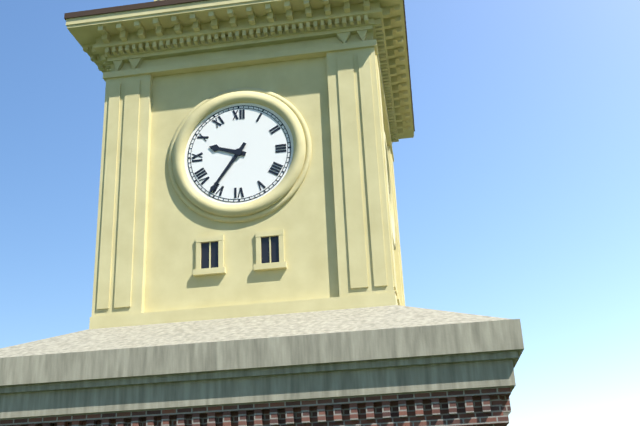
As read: 9h36
